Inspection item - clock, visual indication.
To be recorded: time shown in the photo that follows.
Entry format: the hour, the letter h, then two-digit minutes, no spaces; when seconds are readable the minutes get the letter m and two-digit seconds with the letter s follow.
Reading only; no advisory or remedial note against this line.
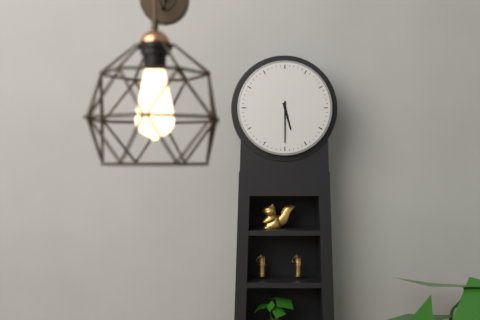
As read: 5h30
